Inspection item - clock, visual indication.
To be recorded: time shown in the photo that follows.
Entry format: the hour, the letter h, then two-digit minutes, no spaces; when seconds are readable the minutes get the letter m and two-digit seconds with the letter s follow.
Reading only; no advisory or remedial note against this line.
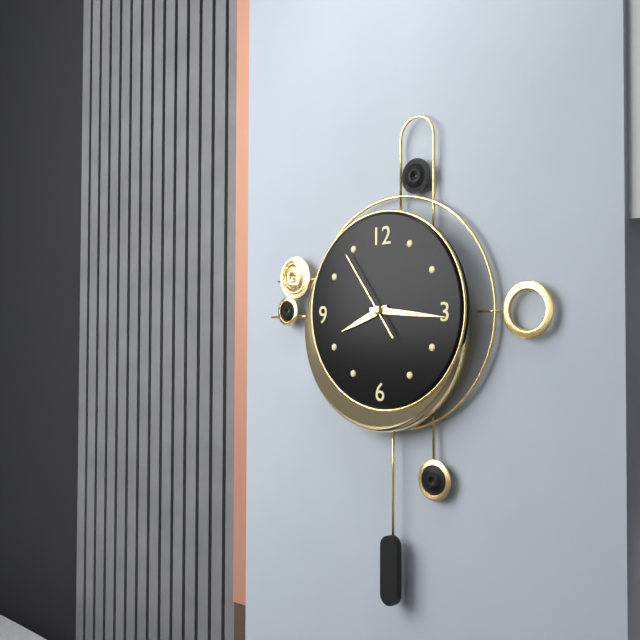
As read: 8h16m54s
